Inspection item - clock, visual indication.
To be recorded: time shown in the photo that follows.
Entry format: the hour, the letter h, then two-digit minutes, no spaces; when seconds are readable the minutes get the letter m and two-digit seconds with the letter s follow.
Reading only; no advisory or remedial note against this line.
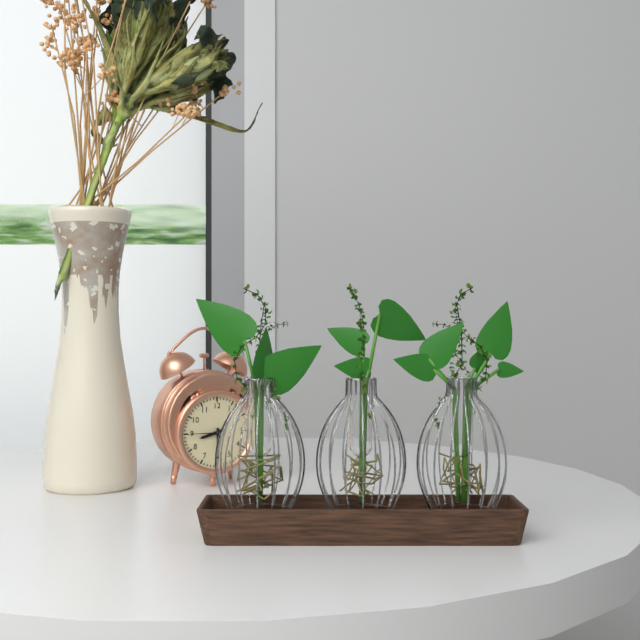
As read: 8h30
